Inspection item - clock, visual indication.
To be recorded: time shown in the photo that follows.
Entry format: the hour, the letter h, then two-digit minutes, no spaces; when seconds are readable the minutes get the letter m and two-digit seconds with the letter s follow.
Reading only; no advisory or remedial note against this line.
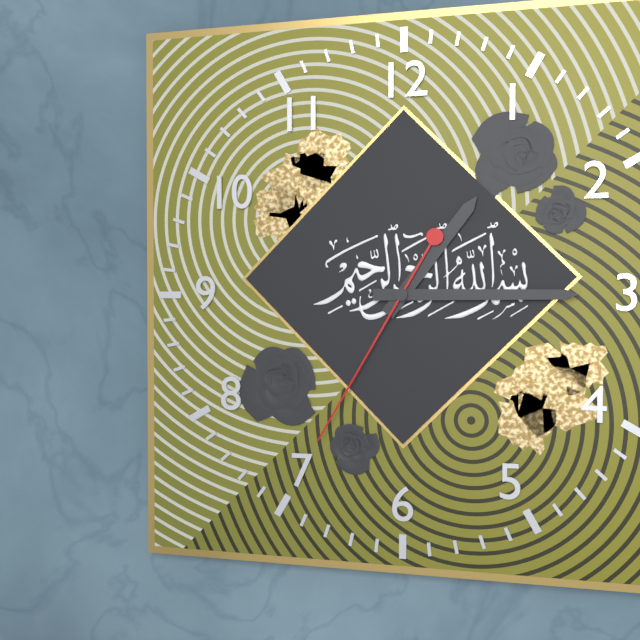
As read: 1h15m35s
